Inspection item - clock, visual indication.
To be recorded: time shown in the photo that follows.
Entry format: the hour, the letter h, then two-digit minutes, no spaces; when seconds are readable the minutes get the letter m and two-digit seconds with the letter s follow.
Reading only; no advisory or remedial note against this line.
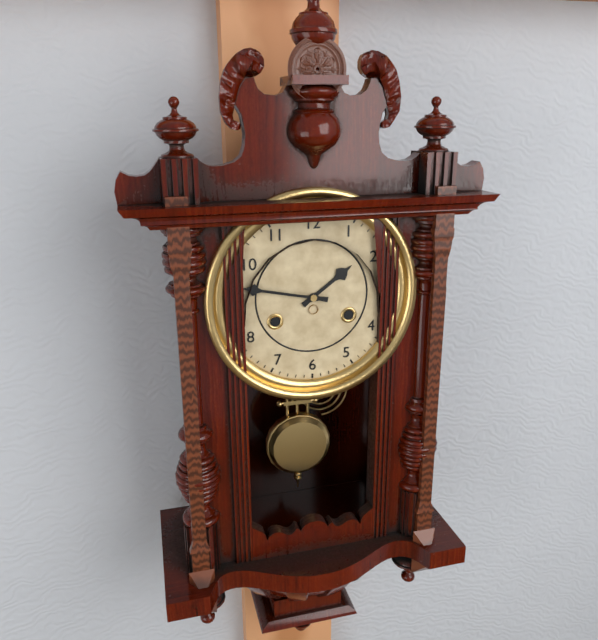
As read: 1h47
